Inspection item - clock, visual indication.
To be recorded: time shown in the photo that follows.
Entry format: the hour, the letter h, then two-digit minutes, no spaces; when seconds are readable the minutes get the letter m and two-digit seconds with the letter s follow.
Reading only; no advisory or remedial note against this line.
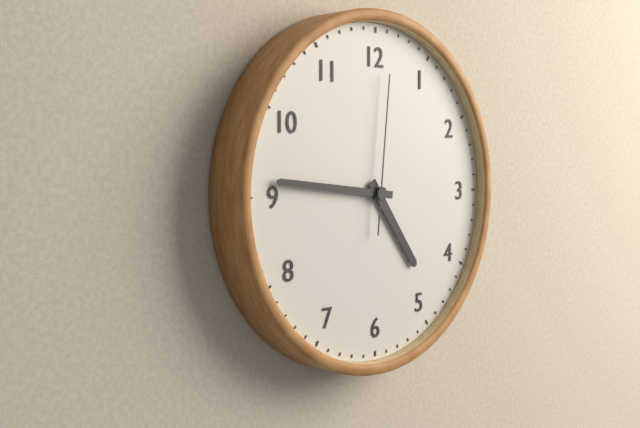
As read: 4h46m01s
